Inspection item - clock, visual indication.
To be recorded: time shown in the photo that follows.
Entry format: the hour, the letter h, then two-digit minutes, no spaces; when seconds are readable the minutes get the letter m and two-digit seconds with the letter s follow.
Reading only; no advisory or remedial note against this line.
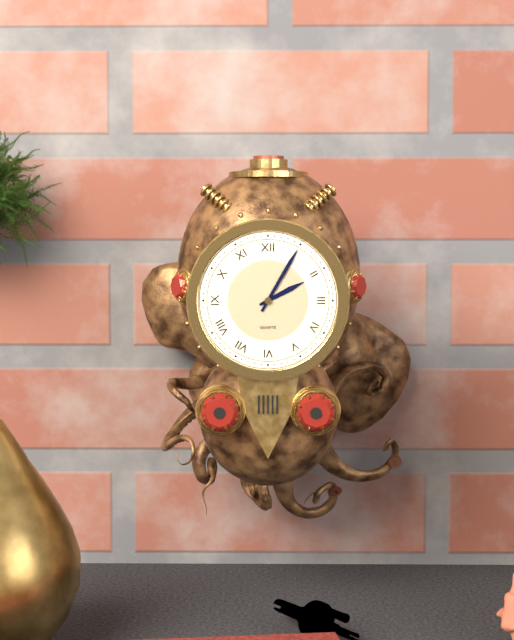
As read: 2h05
